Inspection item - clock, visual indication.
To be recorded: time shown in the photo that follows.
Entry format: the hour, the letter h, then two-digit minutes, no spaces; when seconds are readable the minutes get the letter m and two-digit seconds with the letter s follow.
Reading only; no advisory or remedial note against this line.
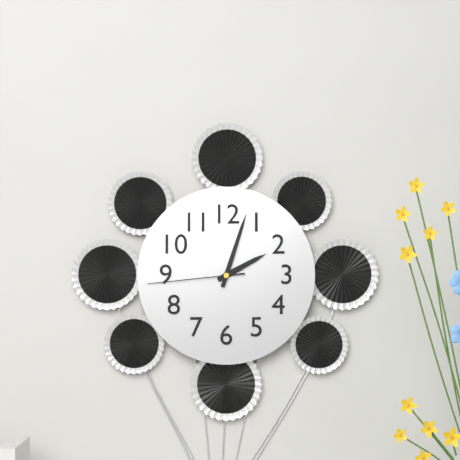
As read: 2h03m44s
